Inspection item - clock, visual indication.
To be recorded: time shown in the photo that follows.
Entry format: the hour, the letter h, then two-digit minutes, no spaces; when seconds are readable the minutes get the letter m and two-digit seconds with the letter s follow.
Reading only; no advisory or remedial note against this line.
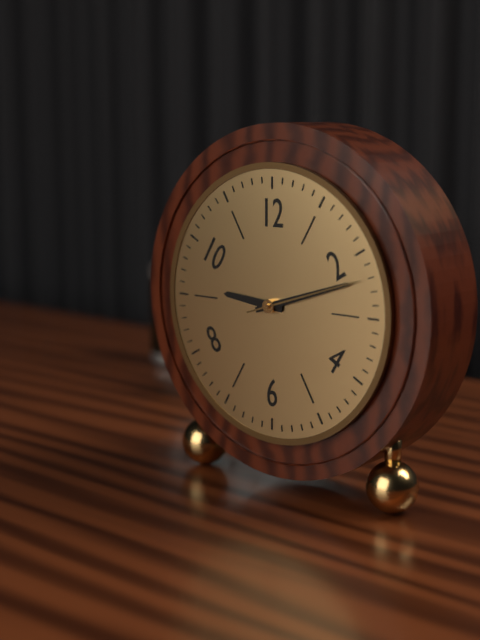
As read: 9h12m12s
